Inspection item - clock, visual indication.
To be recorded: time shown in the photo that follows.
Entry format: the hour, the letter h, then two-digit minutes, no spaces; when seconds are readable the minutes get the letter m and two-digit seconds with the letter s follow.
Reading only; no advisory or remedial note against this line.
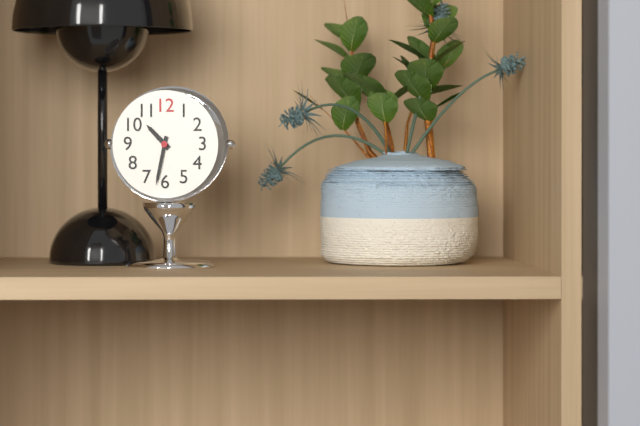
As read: 10h32
